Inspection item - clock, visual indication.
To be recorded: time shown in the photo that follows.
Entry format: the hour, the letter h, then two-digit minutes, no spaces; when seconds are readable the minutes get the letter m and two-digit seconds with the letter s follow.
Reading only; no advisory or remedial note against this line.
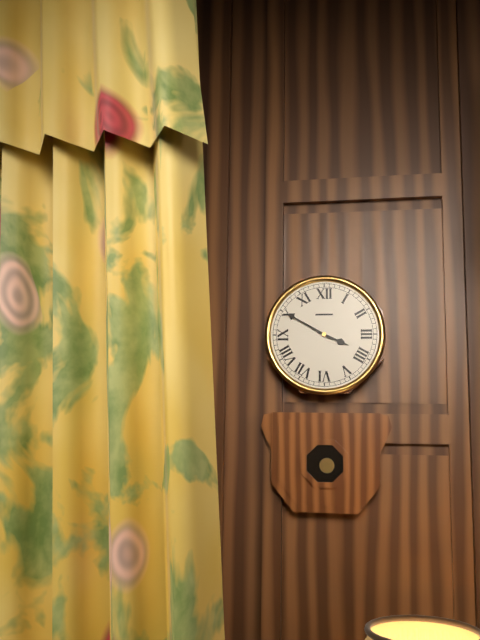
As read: 3h50
